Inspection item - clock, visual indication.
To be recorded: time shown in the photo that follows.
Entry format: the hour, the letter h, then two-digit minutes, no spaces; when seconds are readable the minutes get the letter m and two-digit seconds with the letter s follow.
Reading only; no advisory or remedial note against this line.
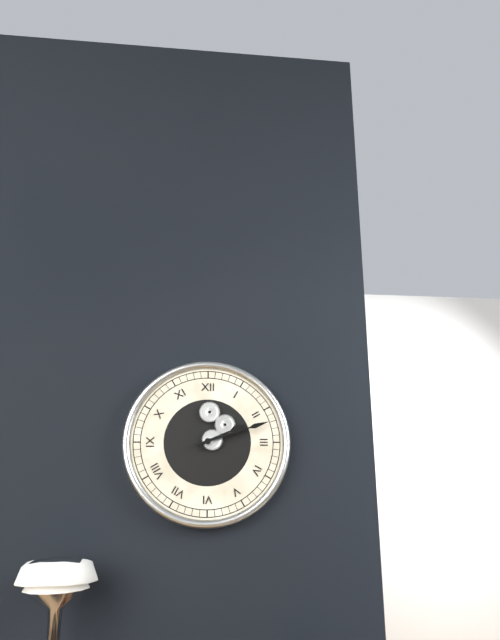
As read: 2h12
